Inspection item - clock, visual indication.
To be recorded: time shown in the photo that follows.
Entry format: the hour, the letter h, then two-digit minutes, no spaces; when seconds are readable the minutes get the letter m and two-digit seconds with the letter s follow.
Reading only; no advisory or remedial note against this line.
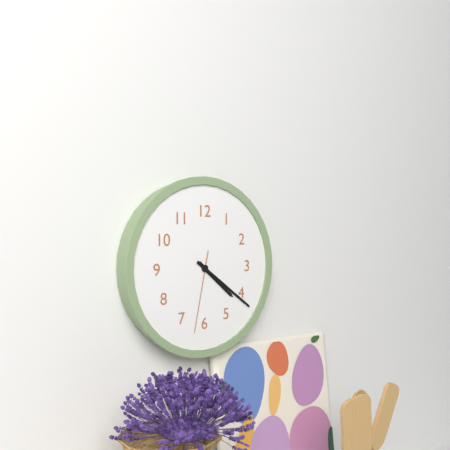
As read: 4h21m32s
